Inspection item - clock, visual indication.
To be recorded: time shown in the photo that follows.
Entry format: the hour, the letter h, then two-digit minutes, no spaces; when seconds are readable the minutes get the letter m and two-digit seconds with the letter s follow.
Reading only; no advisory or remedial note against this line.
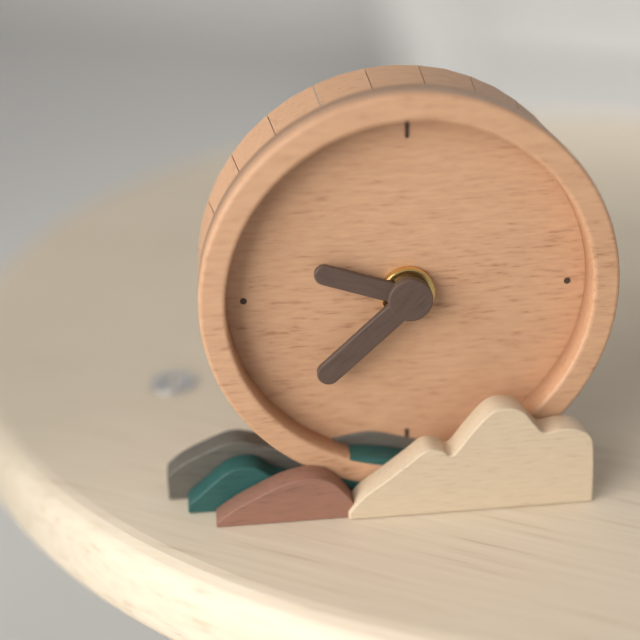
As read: 9h38
